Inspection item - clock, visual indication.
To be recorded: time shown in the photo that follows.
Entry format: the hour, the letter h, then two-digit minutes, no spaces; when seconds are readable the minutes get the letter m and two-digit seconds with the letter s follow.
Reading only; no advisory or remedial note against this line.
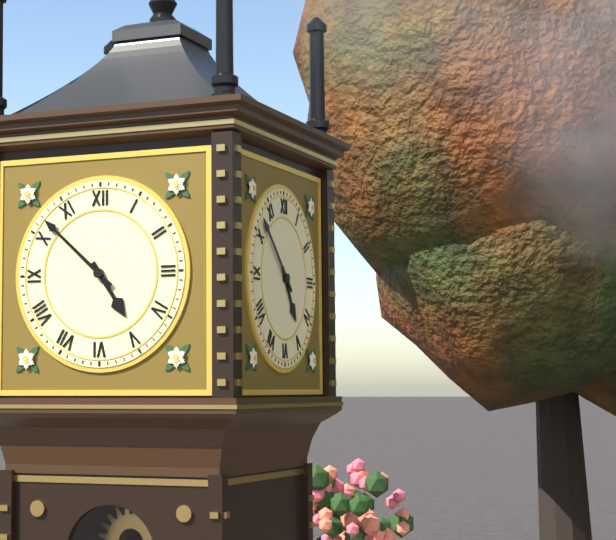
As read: 4h52
